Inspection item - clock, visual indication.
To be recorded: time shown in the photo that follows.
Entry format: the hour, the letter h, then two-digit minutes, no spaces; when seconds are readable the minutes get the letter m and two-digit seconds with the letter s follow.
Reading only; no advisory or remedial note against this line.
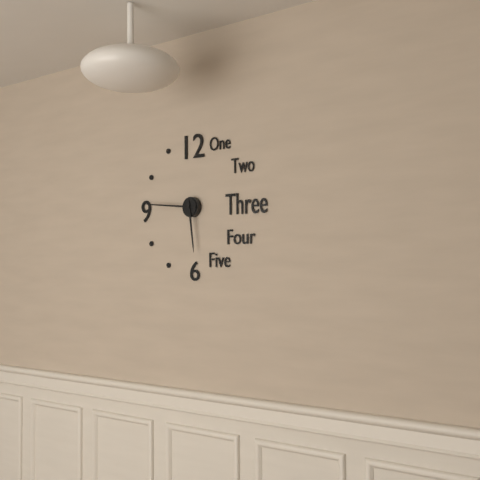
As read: 5h46
